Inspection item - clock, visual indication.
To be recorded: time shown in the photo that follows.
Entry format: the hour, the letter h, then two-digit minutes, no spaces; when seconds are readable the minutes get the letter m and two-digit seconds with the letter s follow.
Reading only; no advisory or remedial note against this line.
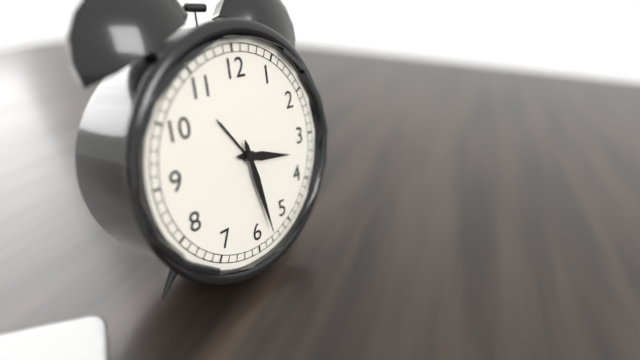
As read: 3h28
